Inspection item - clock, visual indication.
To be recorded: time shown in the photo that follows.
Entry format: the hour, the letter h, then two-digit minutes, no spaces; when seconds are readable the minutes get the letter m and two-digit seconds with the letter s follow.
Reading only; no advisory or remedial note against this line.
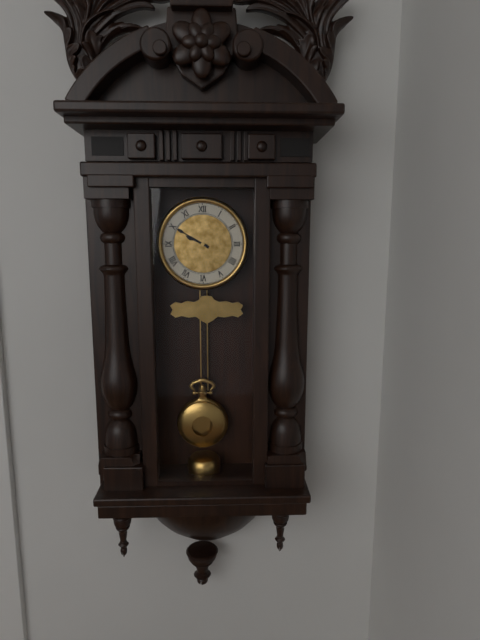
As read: 9h50
